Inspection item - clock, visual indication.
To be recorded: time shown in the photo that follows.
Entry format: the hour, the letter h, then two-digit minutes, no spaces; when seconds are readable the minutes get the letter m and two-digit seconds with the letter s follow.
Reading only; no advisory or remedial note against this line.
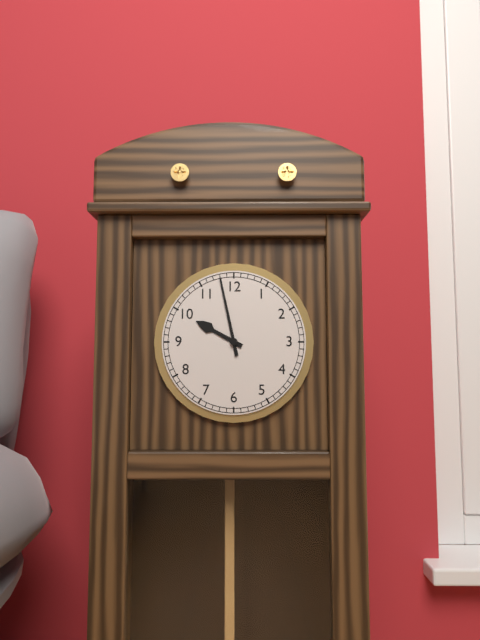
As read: 9h58
